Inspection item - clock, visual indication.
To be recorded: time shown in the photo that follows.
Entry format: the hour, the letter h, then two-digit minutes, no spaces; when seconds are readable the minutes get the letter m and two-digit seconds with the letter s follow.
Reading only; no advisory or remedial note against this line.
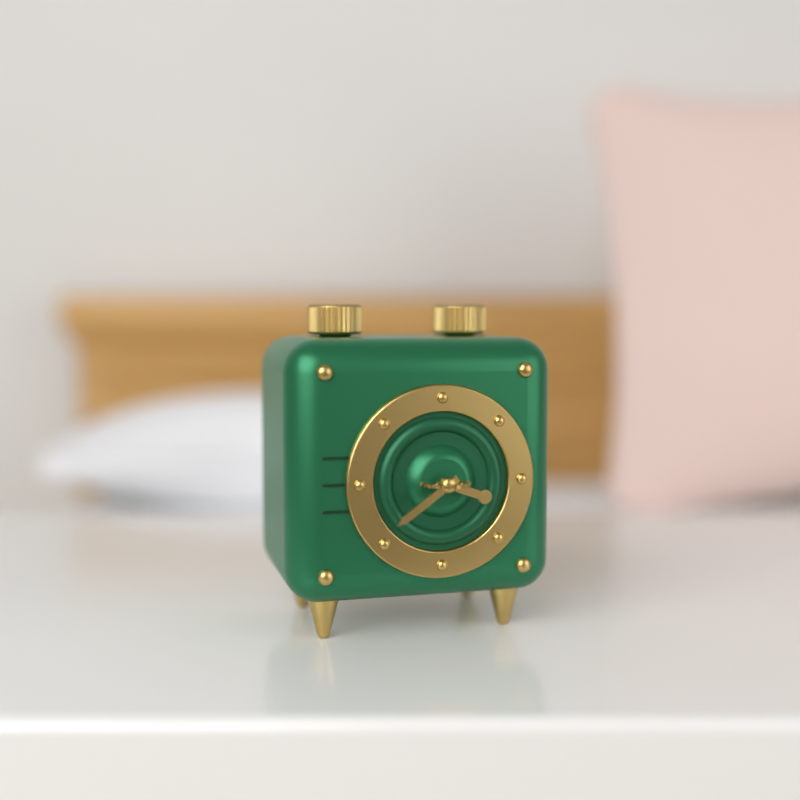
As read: 3h39
